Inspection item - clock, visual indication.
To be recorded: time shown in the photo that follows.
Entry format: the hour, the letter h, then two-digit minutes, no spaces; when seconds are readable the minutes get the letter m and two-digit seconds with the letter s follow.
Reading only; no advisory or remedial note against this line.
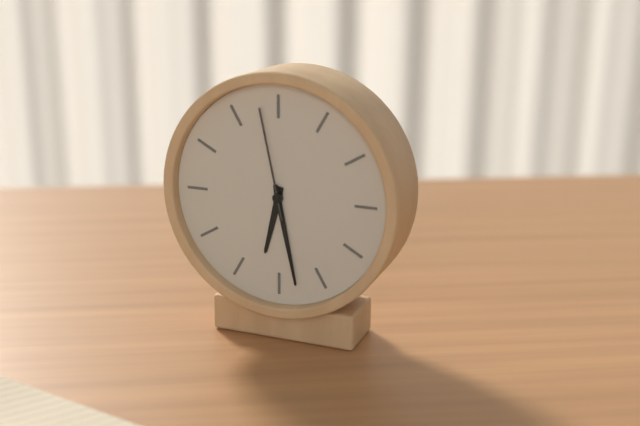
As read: 6h28m58s
